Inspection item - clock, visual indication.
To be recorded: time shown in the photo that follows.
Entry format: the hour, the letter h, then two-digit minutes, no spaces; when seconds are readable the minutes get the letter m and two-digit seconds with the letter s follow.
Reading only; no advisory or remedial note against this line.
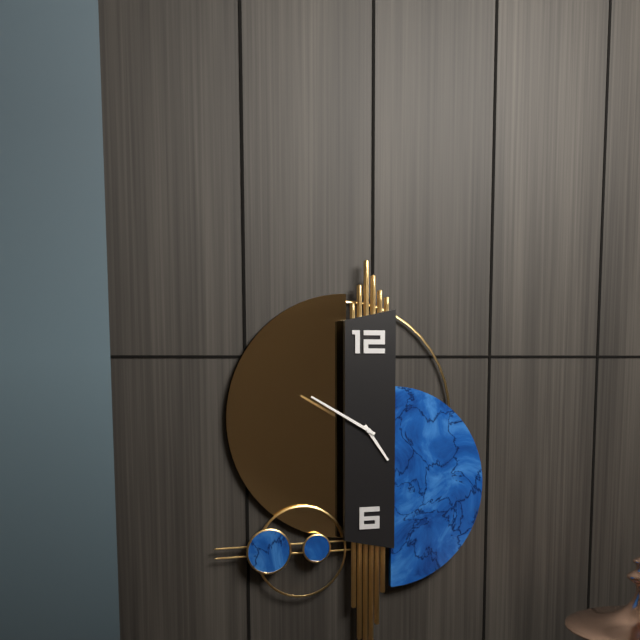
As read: 4h50
